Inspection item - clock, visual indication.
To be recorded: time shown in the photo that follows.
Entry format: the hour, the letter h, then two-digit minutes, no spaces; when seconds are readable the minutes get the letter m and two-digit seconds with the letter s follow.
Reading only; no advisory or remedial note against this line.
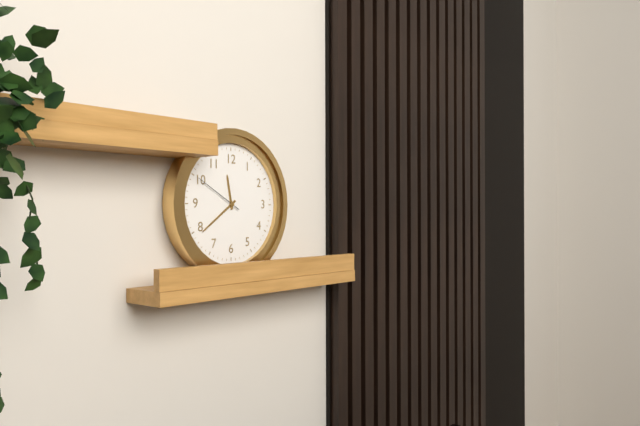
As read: 11h39m50s
